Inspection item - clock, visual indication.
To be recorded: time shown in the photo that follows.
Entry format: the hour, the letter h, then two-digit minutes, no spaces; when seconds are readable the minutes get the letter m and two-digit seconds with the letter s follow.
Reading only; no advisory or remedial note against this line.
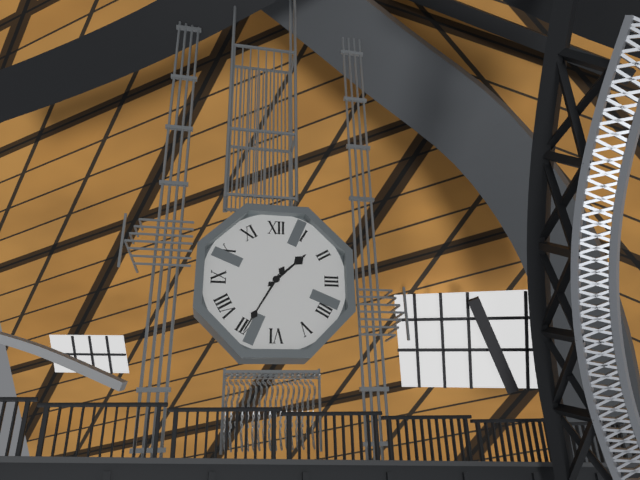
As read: 1h35
